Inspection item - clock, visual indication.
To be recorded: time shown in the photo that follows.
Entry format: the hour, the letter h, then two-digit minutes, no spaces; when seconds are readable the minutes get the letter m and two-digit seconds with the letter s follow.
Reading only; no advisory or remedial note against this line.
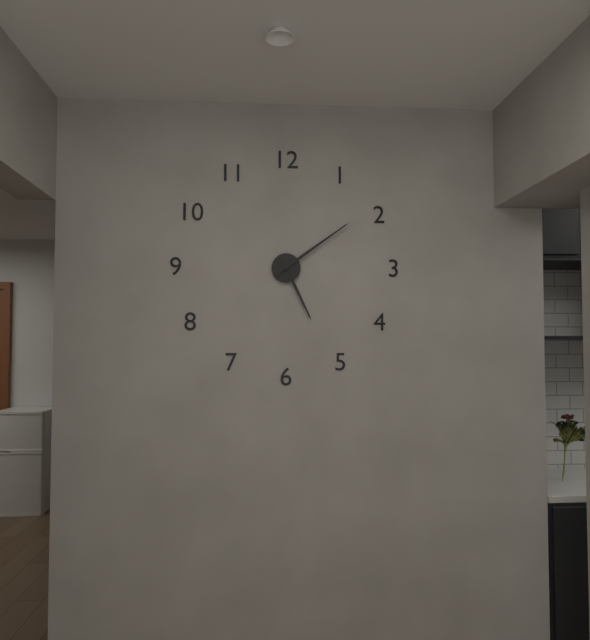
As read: 5h09
